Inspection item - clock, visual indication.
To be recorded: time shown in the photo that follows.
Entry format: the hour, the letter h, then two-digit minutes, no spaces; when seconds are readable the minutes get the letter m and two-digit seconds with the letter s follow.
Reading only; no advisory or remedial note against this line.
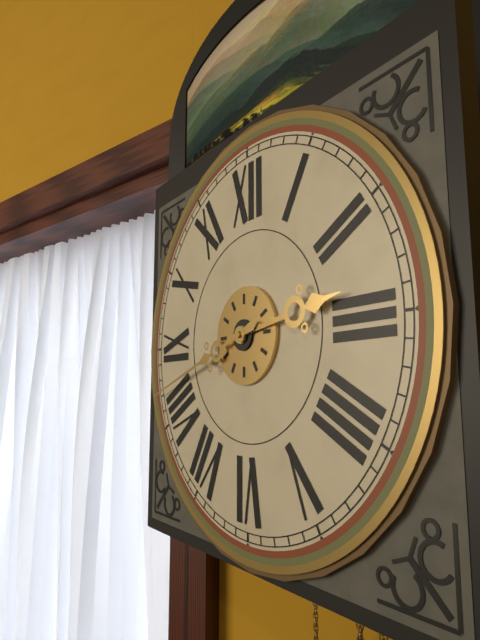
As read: 2h42
